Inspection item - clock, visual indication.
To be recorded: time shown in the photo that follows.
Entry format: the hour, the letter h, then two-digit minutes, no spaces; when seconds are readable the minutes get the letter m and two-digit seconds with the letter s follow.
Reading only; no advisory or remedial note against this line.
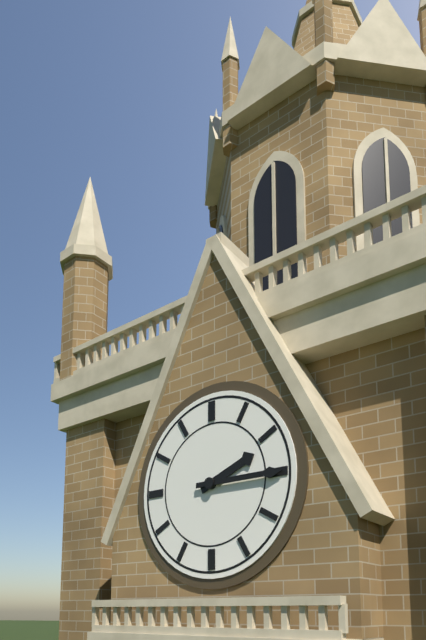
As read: 2h15
